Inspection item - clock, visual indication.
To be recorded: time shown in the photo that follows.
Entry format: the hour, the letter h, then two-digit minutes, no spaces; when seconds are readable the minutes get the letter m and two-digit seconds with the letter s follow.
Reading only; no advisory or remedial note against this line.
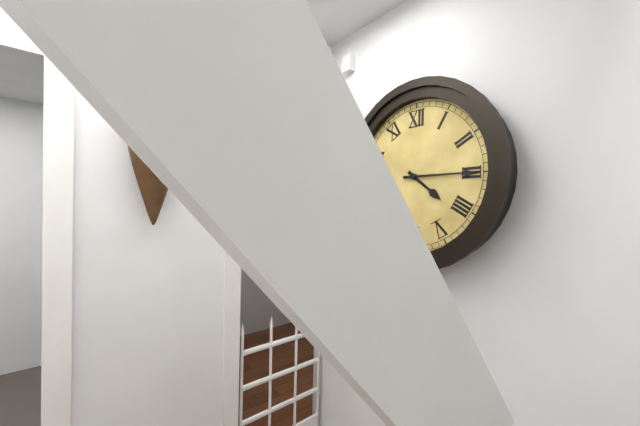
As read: 4h15
